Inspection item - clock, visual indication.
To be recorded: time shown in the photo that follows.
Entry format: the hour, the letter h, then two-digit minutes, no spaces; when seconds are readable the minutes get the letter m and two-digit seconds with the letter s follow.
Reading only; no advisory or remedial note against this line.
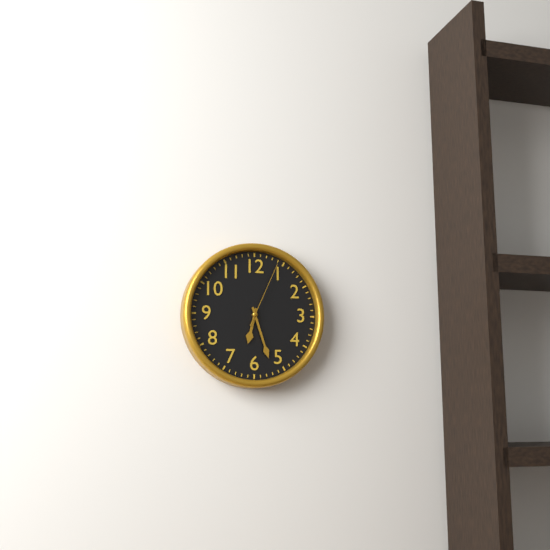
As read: 6h27m04s
